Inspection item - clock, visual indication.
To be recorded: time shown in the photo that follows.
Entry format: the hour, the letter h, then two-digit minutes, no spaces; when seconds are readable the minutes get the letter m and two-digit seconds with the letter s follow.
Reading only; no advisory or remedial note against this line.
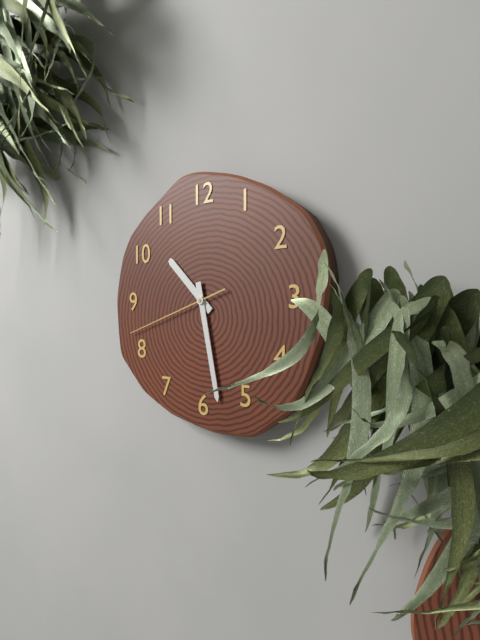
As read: 10h28m42s
